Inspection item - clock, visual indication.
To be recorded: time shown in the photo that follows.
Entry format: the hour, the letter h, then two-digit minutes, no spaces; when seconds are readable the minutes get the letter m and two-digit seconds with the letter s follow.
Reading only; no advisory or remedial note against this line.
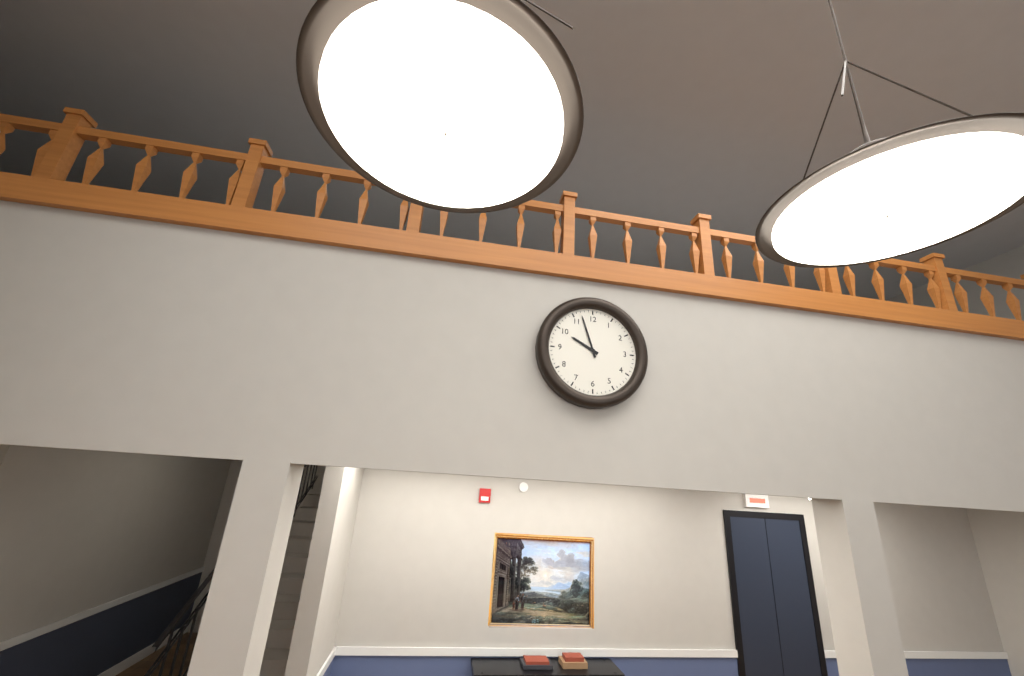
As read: 9h57
